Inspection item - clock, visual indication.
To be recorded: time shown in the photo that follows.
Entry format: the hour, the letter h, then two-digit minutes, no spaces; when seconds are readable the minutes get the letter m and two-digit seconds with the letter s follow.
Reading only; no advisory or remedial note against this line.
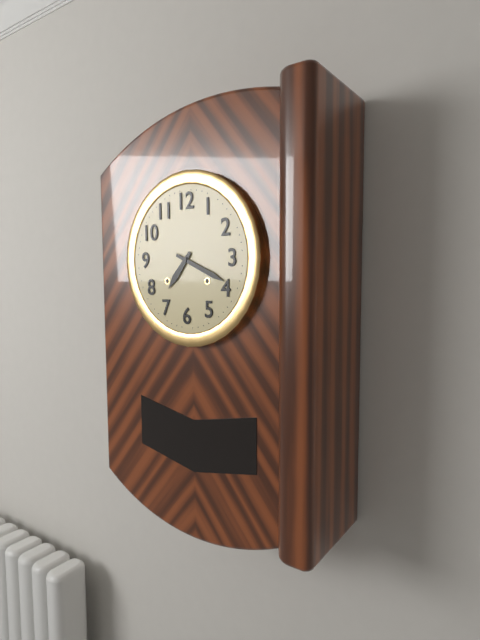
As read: 7h19
